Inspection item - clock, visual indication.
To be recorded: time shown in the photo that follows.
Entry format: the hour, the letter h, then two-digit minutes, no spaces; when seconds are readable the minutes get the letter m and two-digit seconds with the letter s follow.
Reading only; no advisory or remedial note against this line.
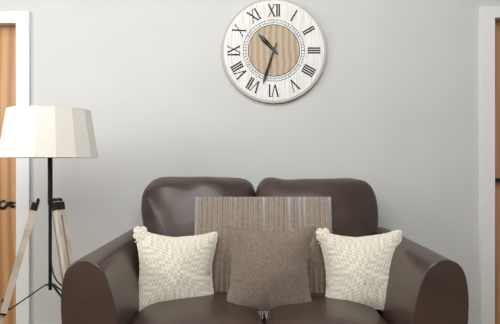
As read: 10h33
